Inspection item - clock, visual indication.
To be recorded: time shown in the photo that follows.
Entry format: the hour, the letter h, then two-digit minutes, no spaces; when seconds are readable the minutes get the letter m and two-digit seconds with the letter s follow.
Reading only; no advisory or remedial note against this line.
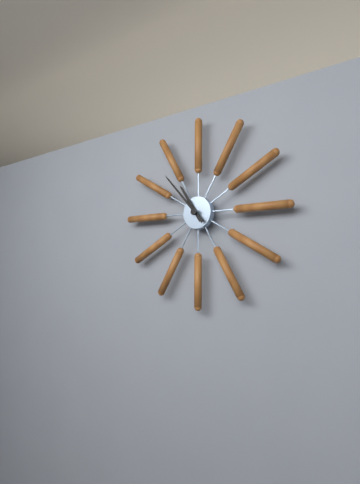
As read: 10h53
